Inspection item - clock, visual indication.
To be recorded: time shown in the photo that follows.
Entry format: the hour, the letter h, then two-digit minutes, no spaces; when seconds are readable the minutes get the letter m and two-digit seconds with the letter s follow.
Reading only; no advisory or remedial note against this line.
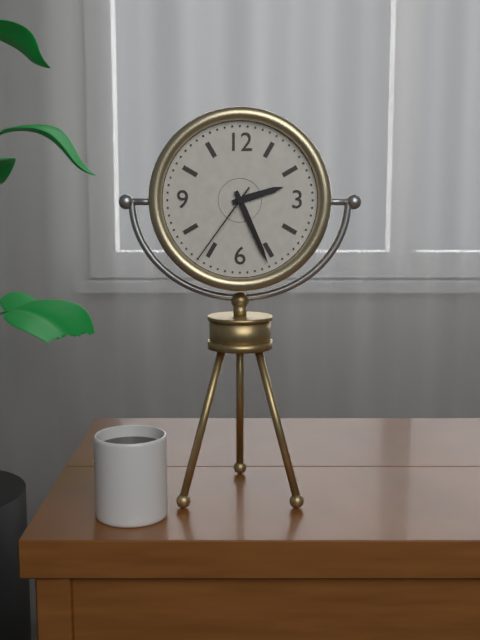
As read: 2h26m36s
